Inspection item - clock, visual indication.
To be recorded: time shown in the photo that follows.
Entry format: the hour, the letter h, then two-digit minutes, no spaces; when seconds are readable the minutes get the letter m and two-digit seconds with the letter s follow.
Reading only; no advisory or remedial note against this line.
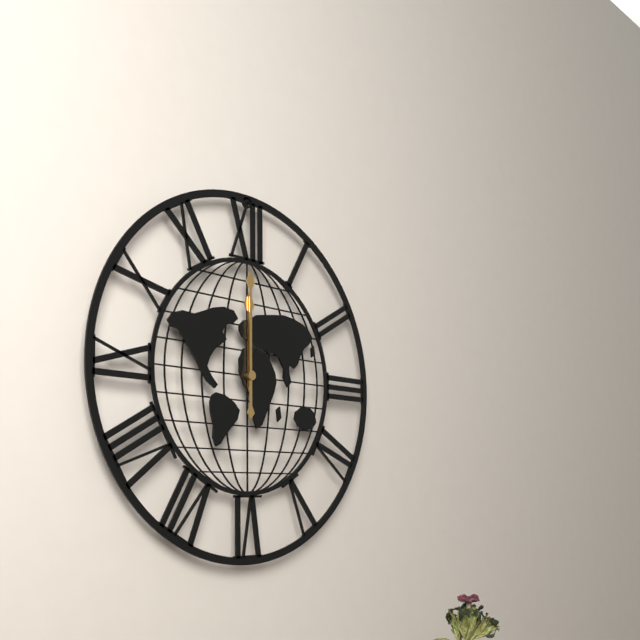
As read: 12h00
